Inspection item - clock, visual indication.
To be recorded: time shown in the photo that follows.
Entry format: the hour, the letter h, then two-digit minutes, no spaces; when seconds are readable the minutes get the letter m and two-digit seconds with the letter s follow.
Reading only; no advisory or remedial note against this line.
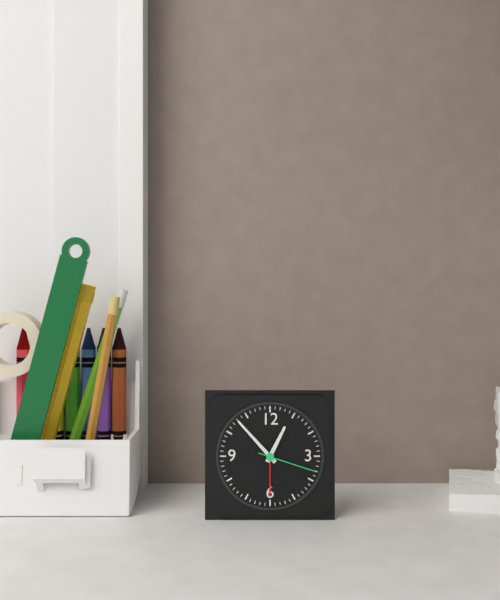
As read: 12h53m18s
